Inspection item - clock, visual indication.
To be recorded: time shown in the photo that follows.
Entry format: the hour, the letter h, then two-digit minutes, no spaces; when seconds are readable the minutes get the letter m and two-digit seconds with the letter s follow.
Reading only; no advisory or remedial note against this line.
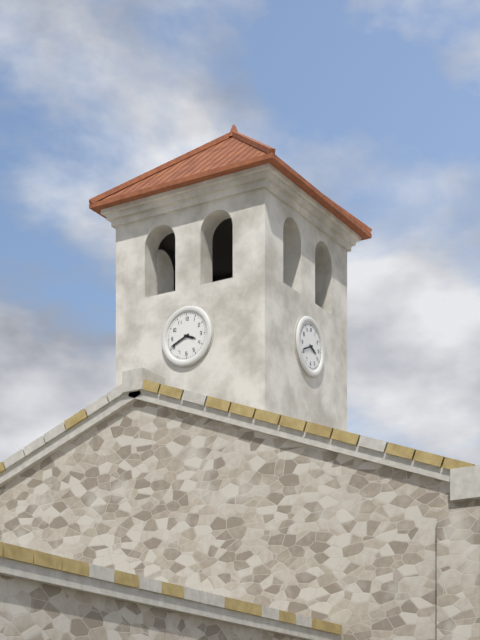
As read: 3h41
